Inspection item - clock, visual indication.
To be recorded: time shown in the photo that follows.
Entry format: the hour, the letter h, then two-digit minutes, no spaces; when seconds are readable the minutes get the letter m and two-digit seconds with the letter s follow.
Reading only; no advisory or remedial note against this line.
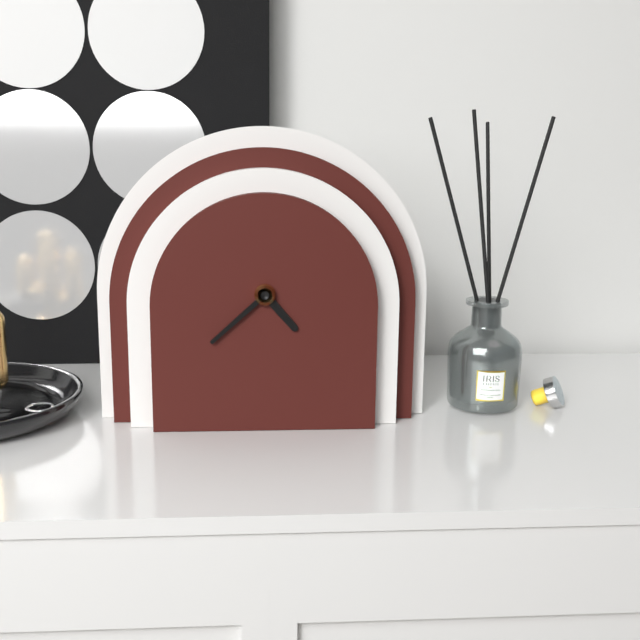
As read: 4h38
